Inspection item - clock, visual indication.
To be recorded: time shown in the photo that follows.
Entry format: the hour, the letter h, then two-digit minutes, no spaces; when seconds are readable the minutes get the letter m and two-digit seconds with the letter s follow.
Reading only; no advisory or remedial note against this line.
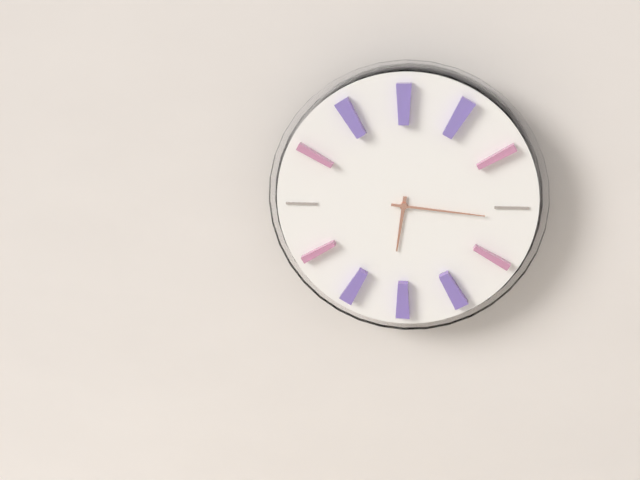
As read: 6h16
